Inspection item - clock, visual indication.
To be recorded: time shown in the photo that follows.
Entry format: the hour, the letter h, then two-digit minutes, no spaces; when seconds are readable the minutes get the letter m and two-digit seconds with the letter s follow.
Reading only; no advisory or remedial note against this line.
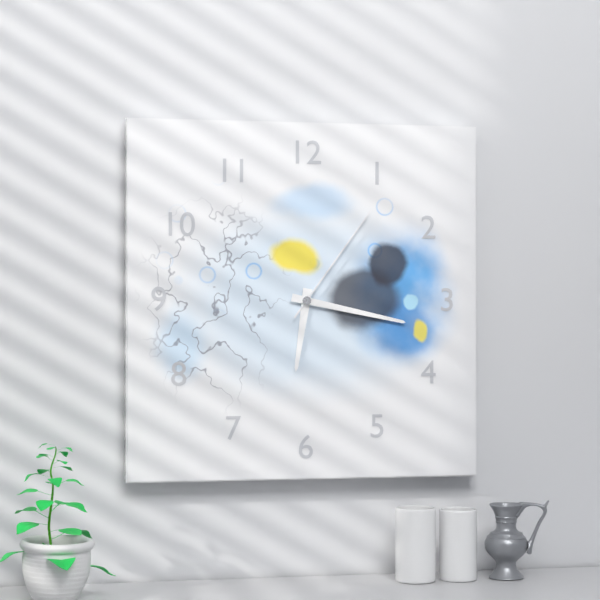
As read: 6h17m06s
